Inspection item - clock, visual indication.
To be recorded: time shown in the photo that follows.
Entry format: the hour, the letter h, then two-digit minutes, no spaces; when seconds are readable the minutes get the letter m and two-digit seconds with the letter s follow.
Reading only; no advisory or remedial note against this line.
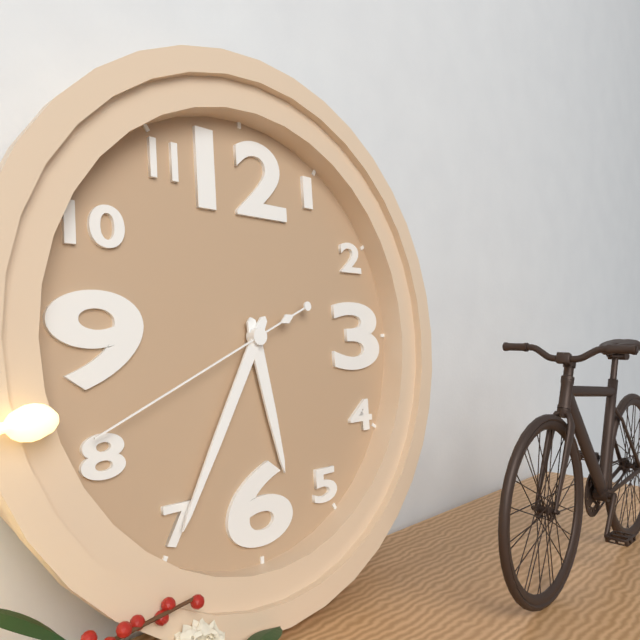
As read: 5h35m41s
